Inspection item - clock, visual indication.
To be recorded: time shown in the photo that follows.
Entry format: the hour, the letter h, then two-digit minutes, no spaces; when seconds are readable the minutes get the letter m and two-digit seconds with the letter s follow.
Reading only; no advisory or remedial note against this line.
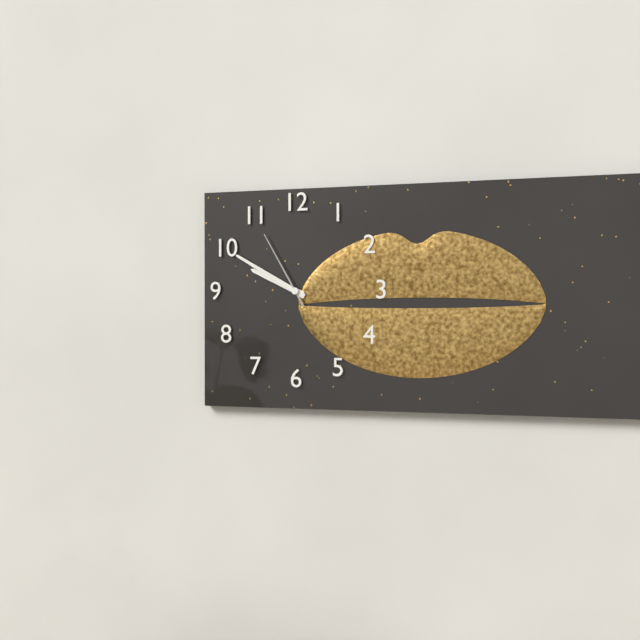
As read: 9h50m55s
